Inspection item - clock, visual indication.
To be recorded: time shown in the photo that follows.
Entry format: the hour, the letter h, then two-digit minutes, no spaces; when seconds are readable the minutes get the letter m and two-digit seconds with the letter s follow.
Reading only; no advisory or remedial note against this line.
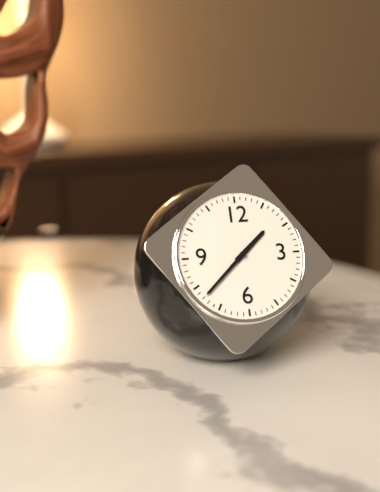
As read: 1h38
